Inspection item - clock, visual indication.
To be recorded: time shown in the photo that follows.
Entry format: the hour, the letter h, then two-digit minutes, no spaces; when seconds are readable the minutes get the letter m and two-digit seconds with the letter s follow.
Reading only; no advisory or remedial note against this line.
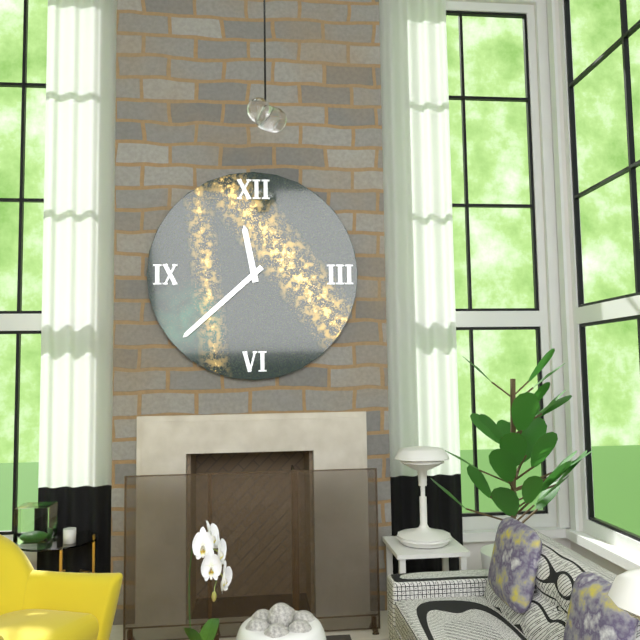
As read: 11h38
